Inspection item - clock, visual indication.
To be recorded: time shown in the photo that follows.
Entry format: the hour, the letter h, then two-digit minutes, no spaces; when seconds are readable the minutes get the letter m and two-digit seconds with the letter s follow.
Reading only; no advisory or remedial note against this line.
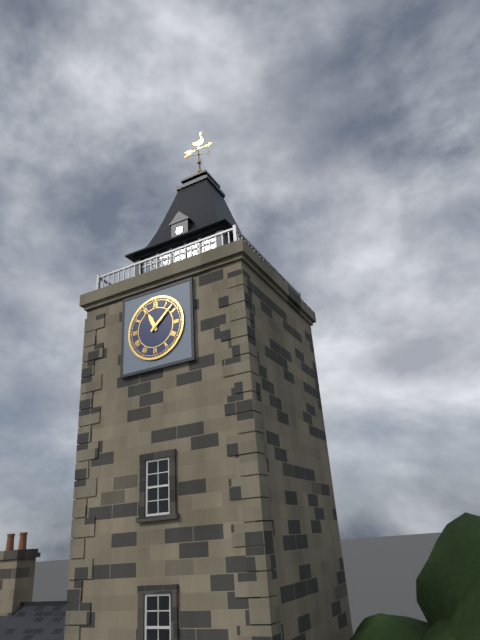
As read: 11h08
